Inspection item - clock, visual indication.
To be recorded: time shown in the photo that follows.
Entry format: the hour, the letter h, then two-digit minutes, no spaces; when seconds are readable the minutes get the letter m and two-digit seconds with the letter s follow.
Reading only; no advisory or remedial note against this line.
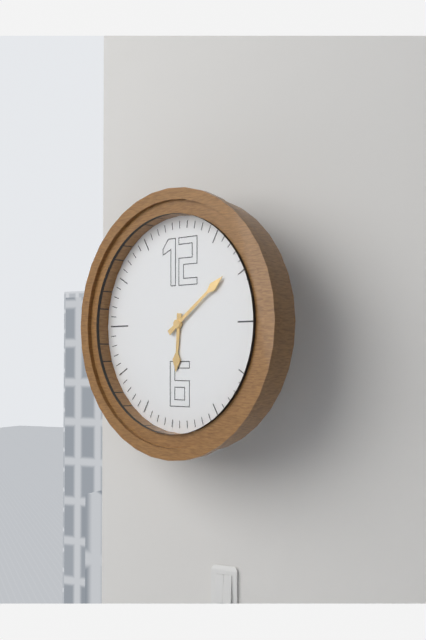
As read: 6h09
